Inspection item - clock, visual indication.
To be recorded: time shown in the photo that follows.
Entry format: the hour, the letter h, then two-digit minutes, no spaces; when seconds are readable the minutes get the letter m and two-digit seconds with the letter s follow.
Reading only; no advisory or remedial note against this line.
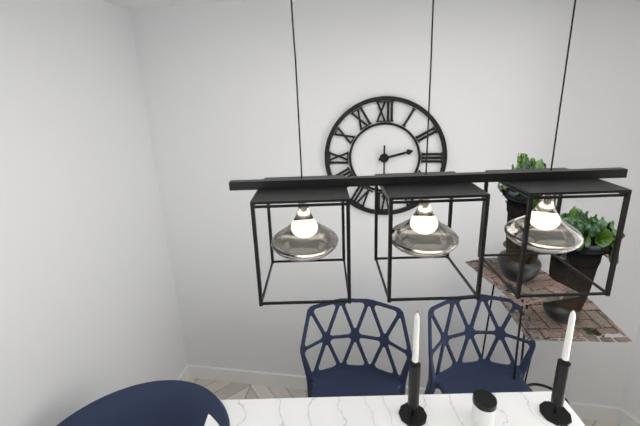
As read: 2h30
